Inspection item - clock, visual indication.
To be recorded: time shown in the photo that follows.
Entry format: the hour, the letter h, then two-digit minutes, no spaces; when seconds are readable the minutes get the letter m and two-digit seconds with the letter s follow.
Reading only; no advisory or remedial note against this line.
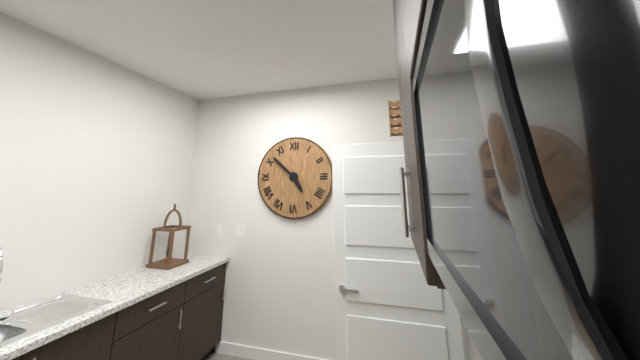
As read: 4h52
